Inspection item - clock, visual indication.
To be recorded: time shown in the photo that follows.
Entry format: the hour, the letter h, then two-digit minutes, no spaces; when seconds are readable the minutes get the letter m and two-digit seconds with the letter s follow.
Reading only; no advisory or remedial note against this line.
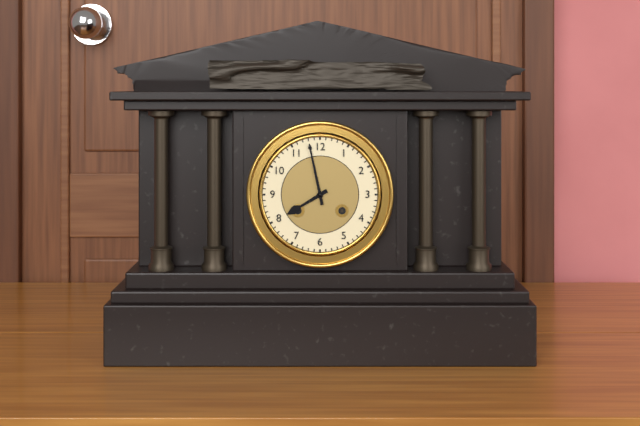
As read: 7h58
